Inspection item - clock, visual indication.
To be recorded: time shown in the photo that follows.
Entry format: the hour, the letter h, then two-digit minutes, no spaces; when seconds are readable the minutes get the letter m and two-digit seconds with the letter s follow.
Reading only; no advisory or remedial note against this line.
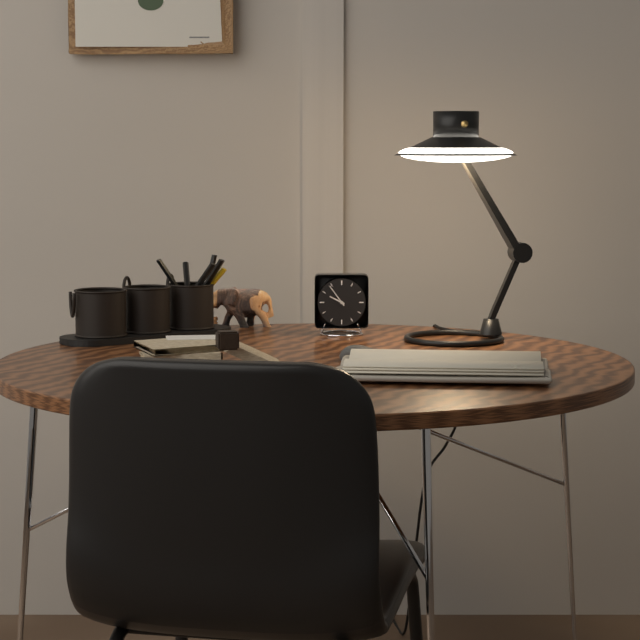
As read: 9h54
